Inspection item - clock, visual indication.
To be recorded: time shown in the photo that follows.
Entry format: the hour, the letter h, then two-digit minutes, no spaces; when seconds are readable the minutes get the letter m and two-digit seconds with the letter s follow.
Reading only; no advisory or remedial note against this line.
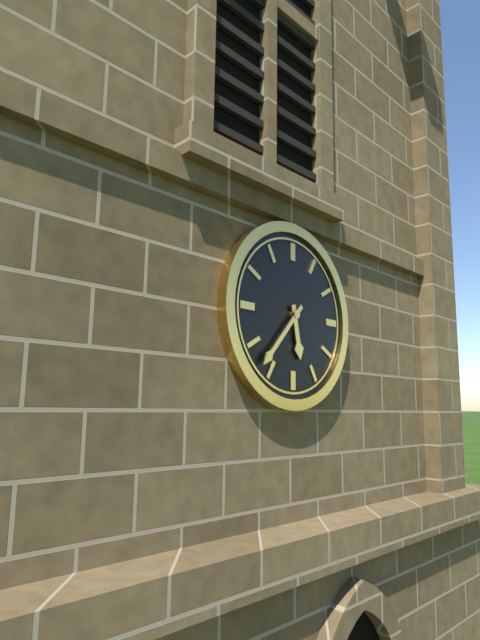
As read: 5h37
